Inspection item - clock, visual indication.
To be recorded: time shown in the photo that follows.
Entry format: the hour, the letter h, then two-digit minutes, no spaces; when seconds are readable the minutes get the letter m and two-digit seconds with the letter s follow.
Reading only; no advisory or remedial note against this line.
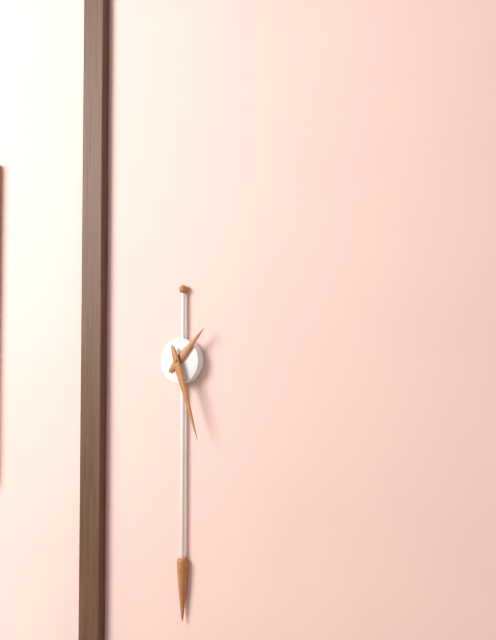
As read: 1h27
